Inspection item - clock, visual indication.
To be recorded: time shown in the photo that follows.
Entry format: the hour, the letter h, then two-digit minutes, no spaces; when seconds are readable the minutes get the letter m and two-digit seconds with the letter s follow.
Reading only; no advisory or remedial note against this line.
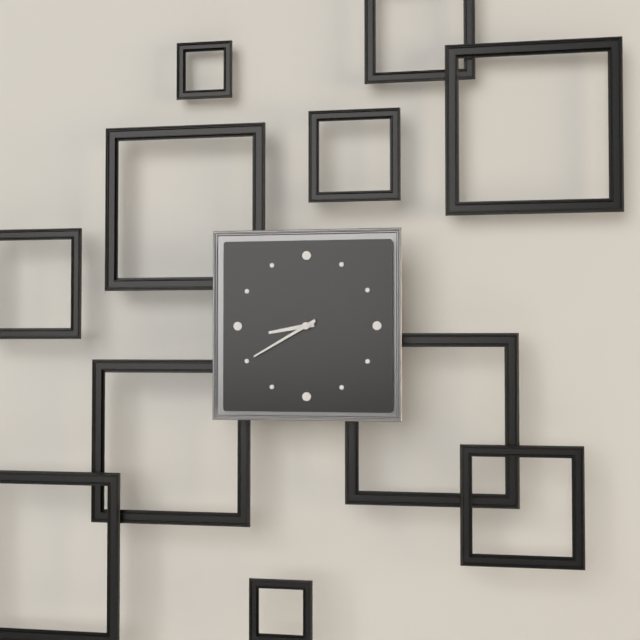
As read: 8h40
